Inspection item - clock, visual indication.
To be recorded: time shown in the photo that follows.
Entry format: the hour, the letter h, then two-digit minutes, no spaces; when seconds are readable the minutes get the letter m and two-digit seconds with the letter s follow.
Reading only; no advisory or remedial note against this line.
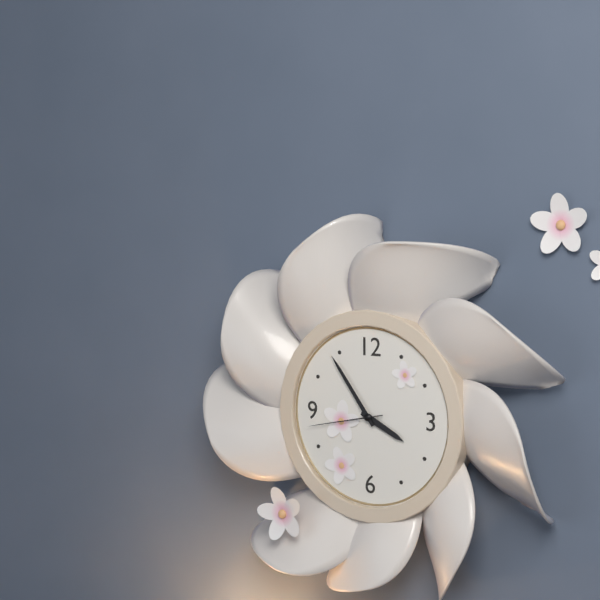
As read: 3h54m43s
